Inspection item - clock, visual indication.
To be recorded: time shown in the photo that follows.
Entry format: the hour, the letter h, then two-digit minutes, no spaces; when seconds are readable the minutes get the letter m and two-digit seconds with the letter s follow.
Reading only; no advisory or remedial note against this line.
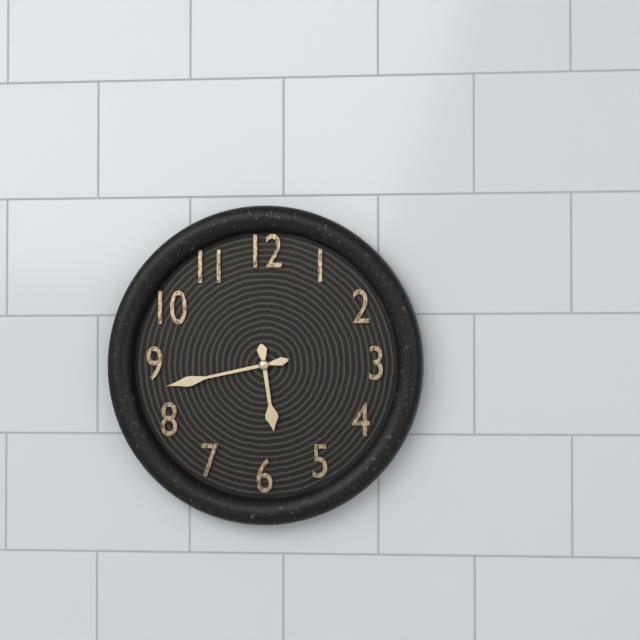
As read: 5h43
